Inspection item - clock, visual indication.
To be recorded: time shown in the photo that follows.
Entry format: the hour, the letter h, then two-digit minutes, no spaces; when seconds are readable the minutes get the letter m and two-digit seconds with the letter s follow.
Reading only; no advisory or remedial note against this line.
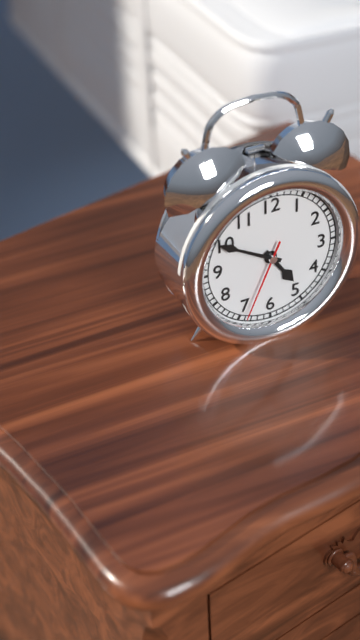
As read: 4h50m34s
